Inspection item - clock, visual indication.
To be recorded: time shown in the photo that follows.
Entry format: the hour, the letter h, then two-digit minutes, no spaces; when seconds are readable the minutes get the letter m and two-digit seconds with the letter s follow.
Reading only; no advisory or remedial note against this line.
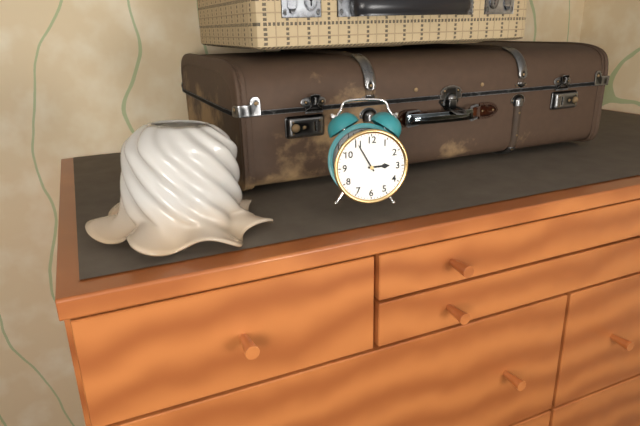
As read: 2h55
